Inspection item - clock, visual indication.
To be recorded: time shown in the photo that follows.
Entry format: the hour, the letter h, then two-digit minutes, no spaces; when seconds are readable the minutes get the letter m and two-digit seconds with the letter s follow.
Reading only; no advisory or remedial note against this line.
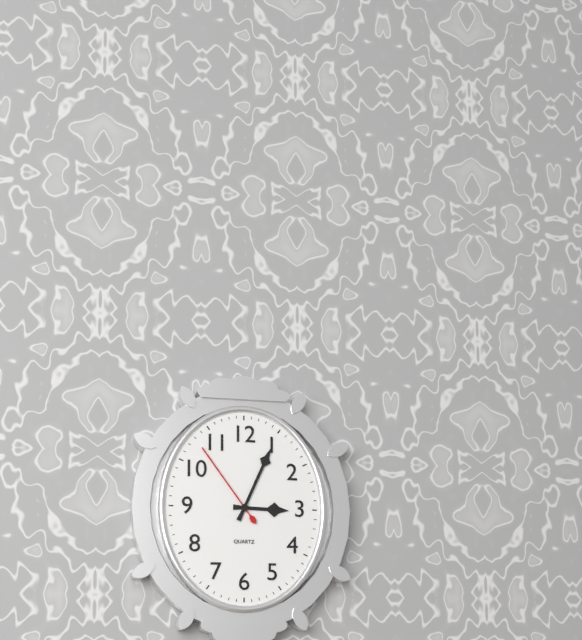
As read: 3h04m54s
